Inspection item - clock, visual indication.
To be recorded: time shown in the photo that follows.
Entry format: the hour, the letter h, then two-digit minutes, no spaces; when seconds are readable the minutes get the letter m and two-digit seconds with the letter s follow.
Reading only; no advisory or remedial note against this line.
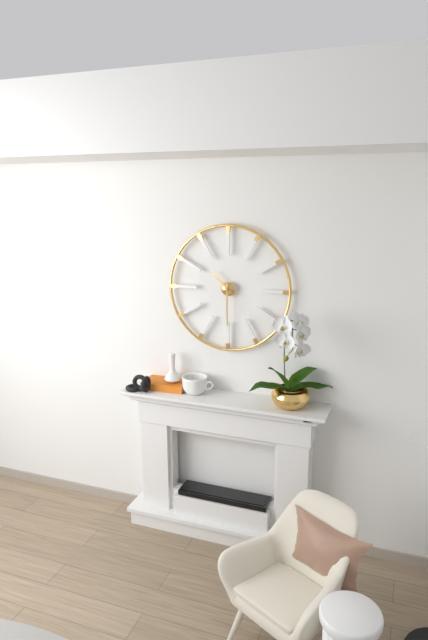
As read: 10h30
